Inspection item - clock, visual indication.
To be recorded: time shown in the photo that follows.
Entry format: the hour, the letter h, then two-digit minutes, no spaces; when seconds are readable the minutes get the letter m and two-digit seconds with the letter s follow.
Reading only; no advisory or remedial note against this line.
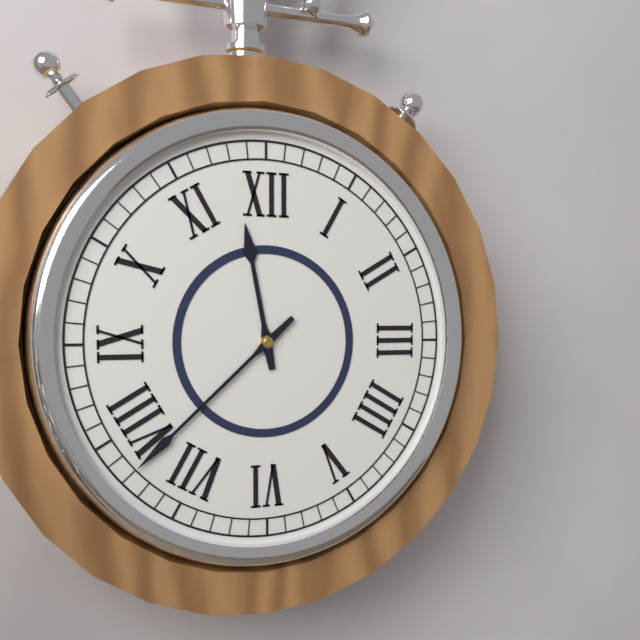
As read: 11h38
